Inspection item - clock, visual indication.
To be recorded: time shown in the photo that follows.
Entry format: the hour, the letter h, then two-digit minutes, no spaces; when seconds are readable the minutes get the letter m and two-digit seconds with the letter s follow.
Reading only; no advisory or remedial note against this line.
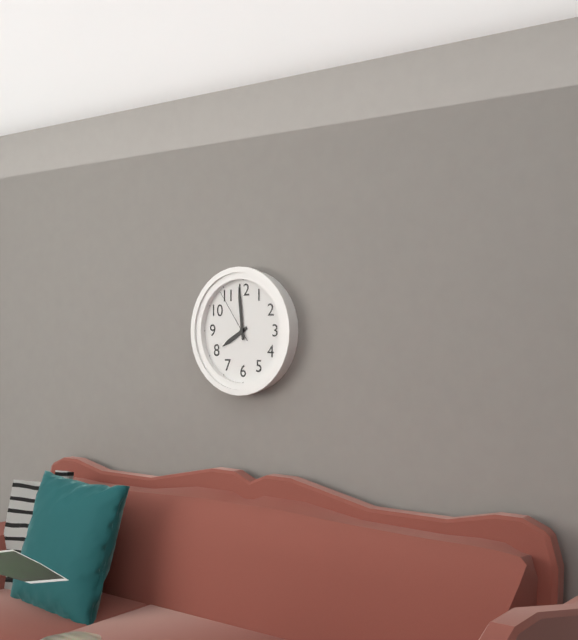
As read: 7h59m54s
